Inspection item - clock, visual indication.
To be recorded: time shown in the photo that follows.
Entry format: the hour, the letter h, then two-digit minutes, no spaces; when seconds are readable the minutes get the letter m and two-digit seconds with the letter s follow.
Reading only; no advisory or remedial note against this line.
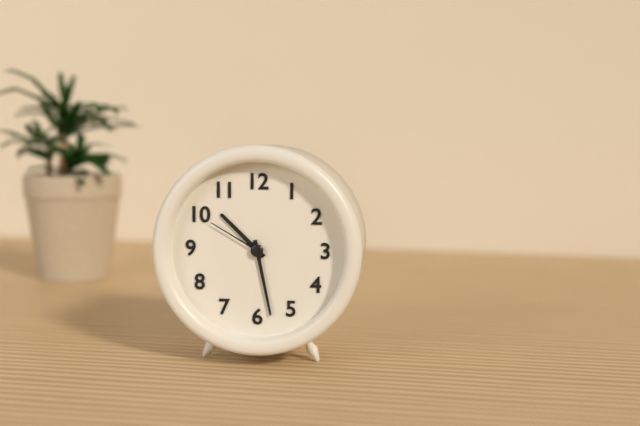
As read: 10h28m50s
